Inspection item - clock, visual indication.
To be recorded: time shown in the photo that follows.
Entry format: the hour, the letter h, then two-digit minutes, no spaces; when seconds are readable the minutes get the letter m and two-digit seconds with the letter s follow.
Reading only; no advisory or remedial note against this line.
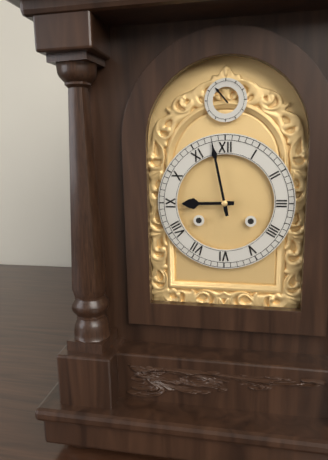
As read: 8h58
